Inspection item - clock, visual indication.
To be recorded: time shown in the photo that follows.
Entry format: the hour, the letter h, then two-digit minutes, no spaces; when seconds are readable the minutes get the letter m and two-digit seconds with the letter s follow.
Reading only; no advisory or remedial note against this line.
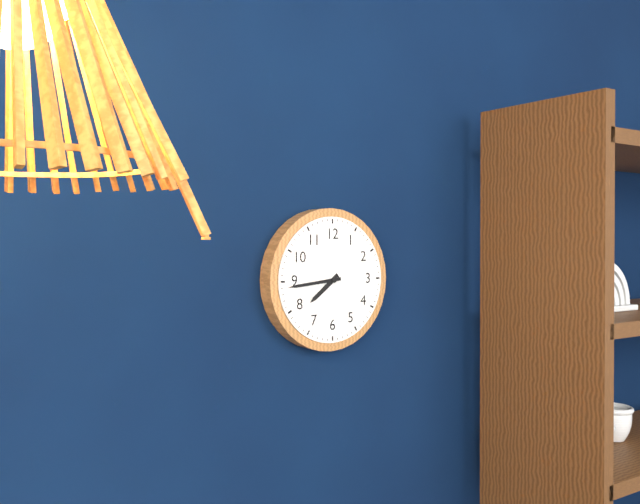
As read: 7h44
